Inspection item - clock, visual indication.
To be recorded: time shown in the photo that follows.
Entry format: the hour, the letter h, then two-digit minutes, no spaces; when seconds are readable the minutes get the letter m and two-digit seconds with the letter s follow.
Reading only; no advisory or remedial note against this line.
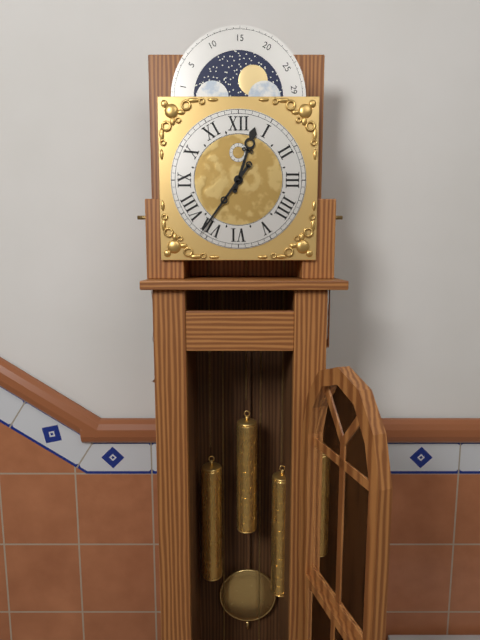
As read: 12h36
